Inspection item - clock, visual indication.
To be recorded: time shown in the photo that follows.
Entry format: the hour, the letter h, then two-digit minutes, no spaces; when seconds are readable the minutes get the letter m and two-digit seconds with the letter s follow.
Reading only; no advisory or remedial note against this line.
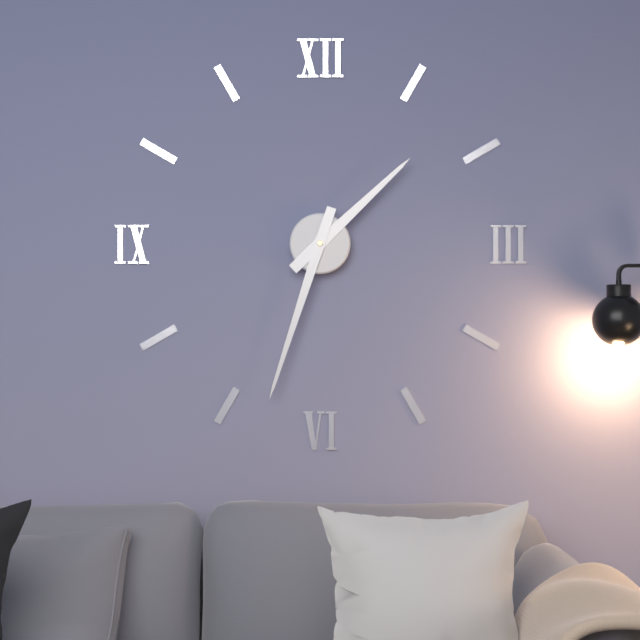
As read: 1h33
